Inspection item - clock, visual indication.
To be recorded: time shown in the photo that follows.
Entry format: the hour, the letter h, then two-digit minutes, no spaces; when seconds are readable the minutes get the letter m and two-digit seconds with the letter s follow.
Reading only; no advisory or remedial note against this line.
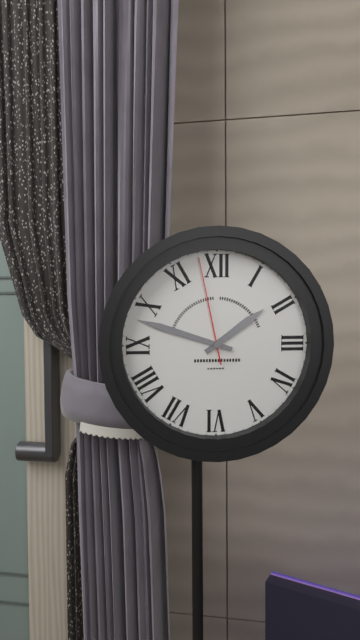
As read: 1h48m58s
